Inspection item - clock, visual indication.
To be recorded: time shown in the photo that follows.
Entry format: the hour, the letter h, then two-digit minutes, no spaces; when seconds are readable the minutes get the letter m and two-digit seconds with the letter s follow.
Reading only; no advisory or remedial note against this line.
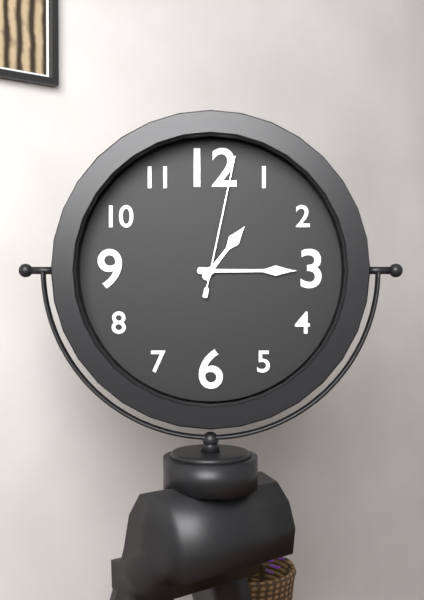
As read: 1h15m02s
